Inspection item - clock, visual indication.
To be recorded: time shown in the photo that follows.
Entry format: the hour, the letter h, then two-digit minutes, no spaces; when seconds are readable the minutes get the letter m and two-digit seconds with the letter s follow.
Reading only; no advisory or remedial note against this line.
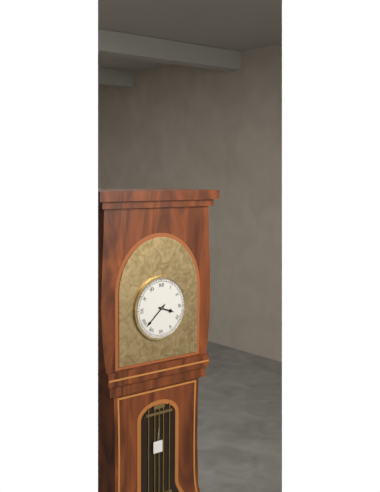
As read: 3h38
